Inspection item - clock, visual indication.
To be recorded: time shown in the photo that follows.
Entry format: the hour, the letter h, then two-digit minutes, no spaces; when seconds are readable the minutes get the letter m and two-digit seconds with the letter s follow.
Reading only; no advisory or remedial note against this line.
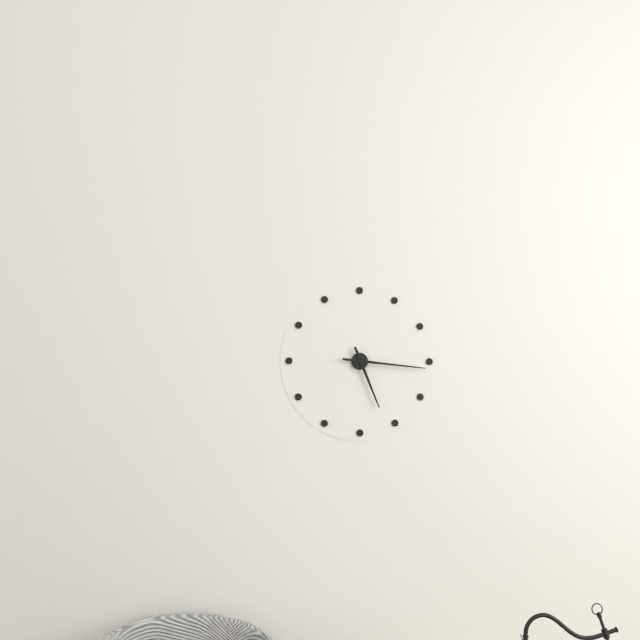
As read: 5h16
